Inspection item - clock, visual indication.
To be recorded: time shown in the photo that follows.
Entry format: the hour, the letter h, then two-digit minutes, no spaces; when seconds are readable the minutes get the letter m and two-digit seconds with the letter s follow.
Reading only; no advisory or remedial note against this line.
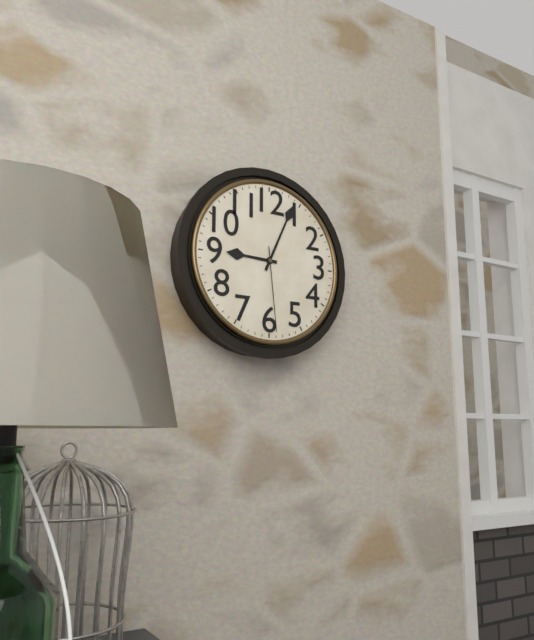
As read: 9h04m29s
